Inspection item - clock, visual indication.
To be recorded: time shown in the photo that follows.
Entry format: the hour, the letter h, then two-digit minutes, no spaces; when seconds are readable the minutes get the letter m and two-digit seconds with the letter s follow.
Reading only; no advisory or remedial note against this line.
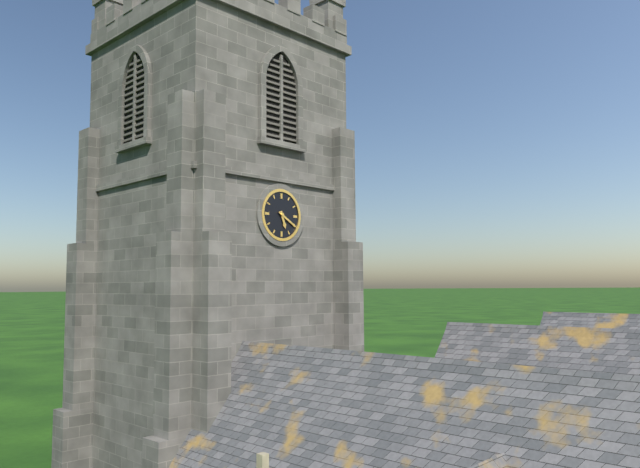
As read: 5h20
